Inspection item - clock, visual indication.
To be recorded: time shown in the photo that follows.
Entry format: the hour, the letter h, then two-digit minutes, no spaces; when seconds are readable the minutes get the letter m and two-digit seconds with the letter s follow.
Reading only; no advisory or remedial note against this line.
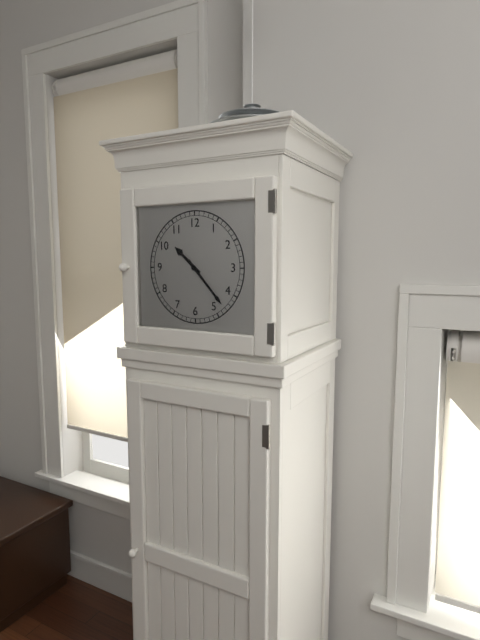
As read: 10h23
